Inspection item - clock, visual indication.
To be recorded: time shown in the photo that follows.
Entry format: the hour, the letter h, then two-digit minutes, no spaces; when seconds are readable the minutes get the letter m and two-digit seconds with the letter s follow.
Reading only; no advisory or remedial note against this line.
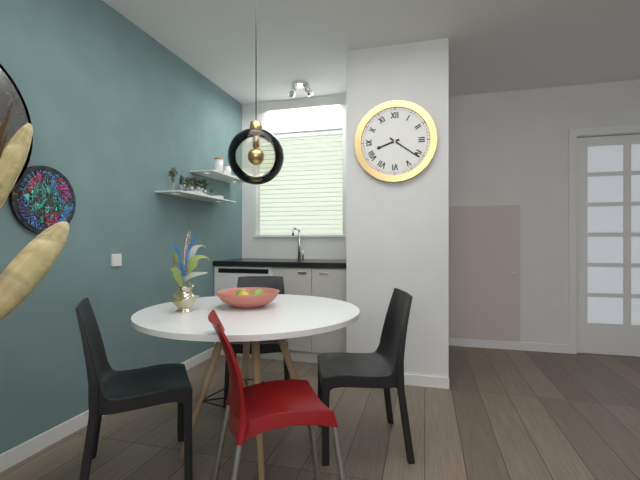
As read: 8h21
